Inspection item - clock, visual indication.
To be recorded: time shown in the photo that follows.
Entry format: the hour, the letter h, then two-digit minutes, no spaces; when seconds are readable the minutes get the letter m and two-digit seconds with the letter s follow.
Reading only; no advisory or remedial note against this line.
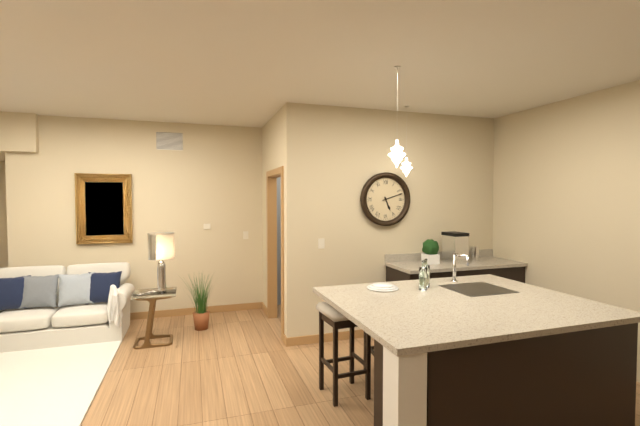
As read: 5h12
